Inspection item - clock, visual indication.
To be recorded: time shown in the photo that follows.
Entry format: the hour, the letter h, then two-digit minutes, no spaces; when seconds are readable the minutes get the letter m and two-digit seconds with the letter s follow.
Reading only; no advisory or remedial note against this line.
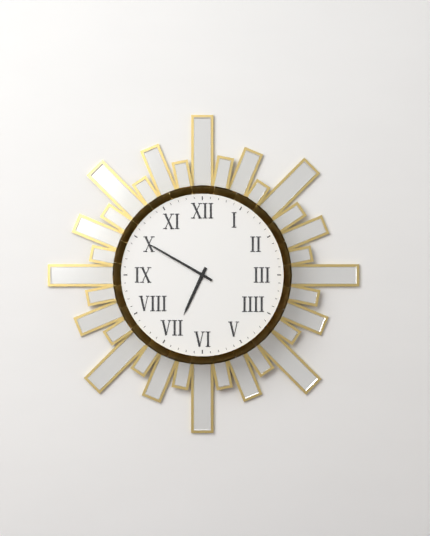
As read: 6h50
